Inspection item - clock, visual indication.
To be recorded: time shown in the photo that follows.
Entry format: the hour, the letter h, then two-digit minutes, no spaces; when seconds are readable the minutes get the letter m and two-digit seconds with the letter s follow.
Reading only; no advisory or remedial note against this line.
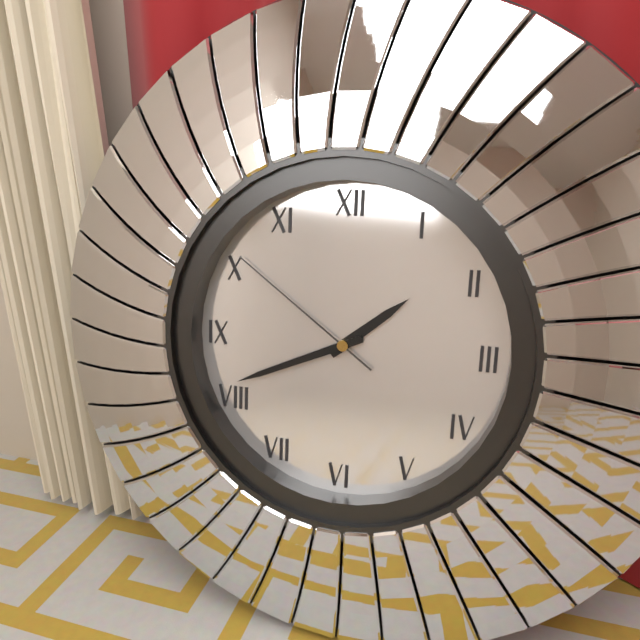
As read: 1h41m51s
